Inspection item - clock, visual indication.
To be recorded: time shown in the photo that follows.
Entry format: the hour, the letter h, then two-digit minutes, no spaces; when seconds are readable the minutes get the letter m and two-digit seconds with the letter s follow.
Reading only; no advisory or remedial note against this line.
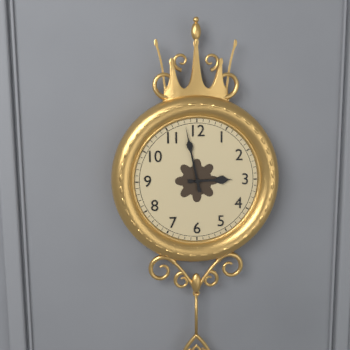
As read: 2h58
